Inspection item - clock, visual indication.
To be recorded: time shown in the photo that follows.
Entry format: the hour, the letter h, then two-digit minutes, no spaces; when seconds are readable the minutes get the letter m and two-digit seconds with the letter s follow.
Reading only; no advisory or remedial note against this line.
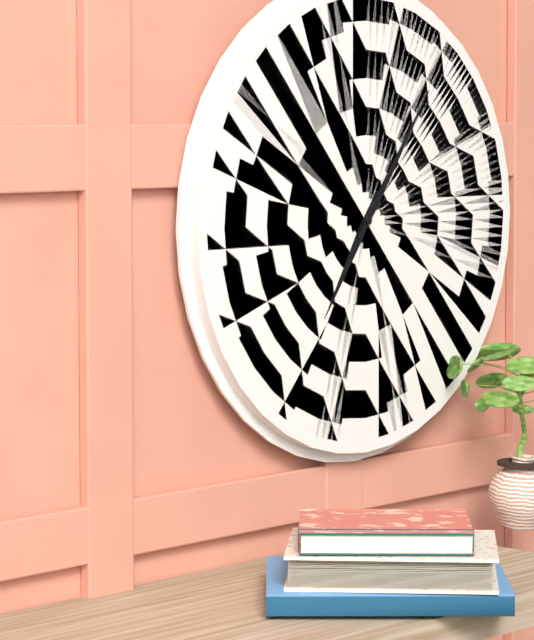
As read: 7h06
